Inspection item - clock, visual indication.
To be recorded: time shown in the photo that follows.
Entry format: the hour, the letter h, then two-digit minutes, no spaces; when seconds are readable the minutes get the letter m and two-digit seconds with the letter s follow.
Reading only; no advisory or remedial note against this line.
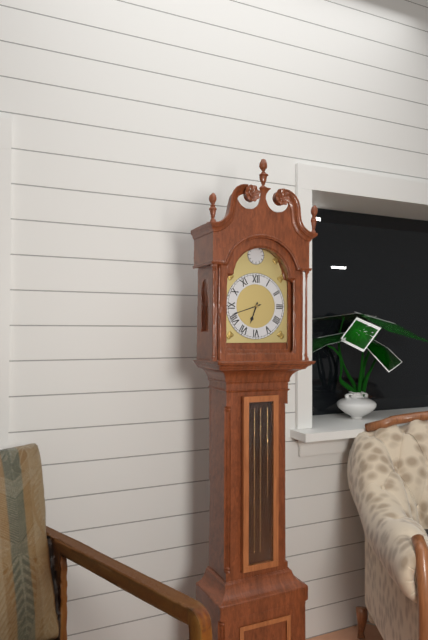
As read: 6h42
